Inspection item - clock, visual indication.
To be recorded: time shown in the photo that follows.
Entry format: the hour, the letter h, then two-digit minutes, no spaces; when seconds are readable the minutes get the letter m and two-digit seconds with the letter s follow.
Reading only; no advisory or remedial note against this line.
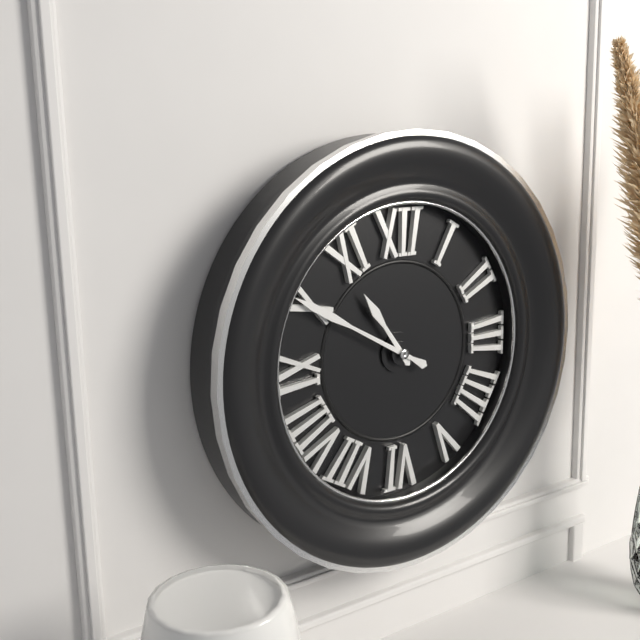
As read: 10h50
